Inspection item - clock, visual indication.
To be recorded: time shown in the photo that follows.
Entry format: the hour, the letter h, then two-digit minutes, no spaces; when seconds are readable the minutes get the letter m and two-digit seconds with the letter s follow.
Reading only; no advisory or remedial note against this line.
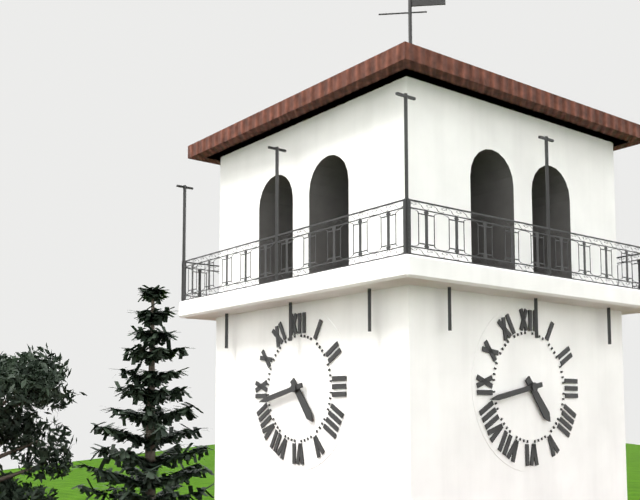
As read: 4h43
